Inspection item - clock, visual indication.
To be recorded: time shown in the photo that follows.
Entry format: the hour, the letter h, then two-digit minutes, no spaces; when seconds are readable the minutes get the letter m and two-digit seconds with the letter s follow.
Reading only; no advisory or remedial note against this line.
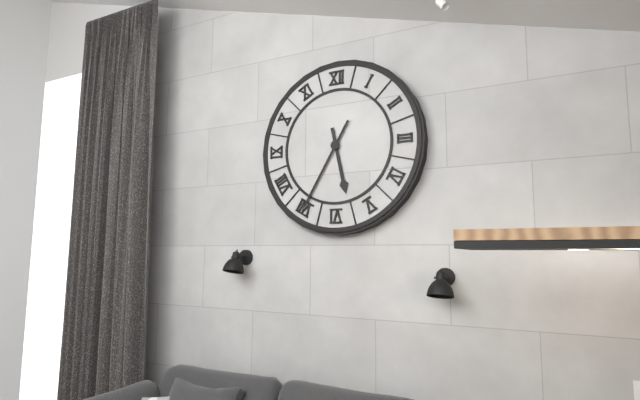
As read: 5h35
